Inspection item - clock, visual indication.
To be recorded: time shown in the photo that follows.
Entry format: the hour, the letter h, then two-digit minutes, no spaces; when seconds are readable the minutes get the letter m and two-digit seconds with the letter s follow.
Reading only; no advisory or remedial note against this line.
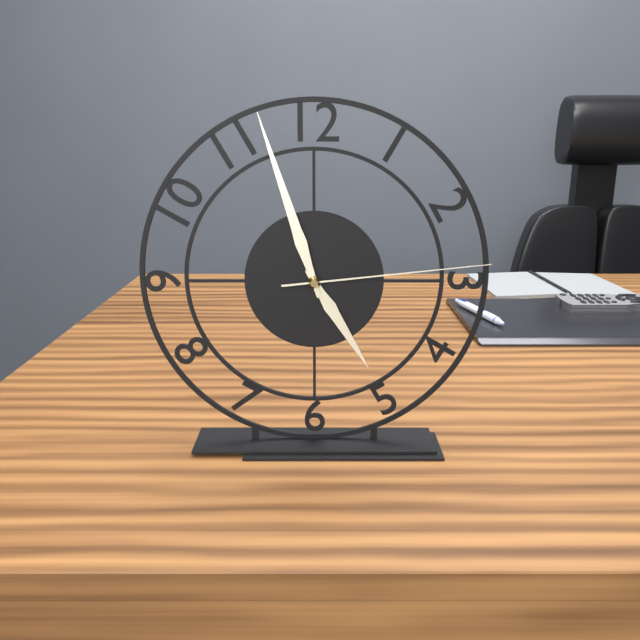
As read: 4h57m14s
